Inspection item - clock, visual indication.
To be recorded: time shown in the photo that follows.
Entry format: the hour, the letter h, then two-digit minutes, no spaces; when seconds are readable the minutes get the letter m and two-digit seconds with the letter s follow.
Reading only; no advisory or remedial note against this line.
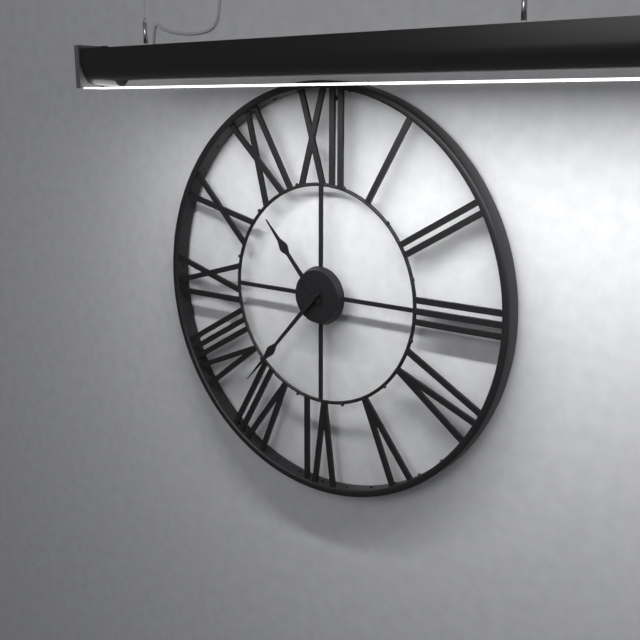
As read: 10h37
